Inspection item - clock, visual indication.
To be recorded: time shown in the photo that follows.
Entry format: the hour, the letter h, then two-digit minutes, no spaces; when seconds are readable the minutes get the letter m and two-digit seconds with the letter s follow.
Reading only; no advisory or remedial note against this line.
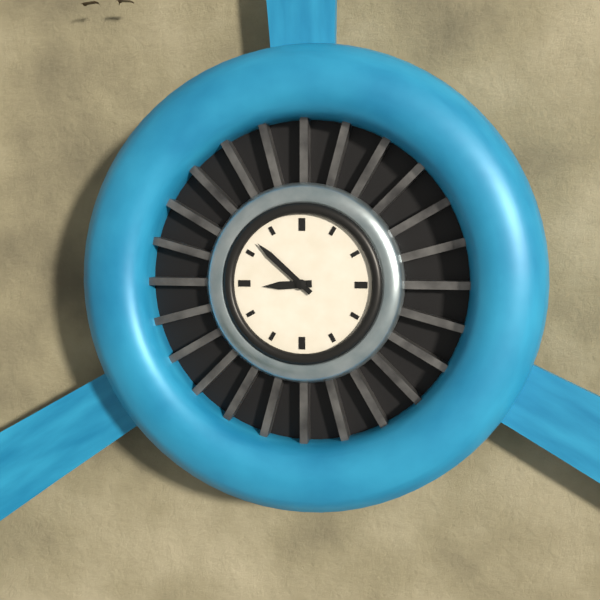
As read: 8h52
